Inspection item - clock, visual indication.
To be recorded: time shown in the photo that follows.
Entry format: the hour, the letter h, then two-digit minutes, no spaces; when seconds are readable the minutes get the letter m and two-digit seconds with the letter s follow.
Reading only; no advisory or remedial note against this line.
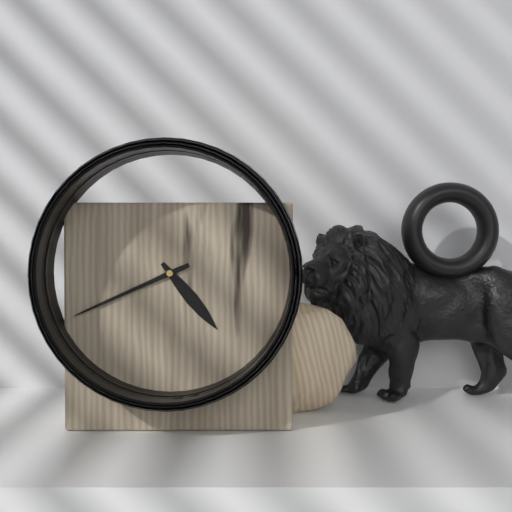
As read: 4h41
